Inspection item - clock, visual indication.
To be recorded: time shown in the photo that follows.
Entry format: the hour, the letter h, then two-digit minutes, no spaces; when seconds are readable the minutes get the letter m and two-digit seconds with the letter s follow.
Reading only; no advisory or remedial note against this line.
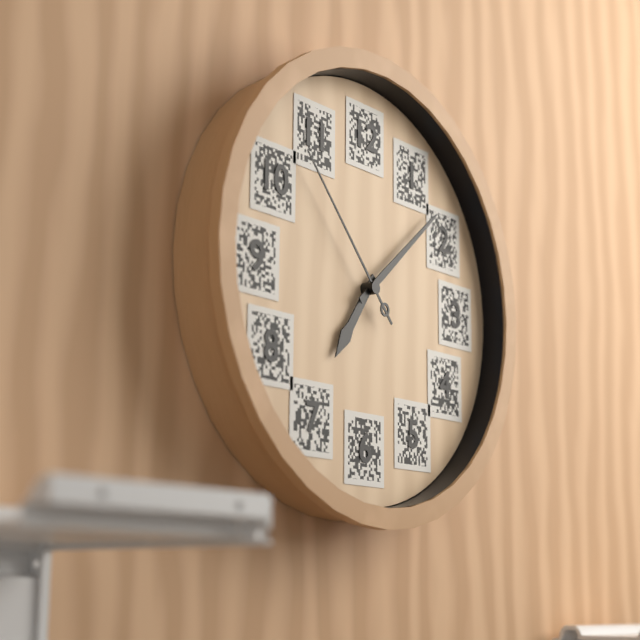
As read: 7h08m53s
